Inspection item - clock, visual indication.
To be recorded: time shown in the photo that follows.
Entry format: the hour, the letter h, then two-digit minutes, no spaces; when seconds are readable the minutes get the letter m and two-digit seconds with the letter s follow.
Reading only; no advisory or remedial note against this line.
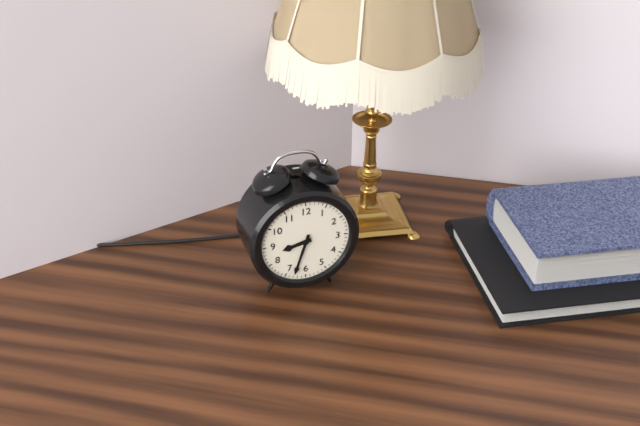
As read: 8h33
